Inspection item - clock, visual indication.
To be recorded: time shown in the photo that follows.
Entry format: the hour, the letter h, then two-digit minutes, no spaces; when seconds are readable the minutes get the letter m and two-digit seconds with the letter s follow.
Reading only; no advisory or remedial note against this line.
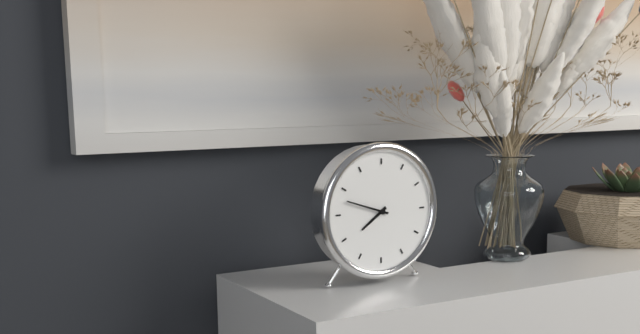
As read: 7h48
